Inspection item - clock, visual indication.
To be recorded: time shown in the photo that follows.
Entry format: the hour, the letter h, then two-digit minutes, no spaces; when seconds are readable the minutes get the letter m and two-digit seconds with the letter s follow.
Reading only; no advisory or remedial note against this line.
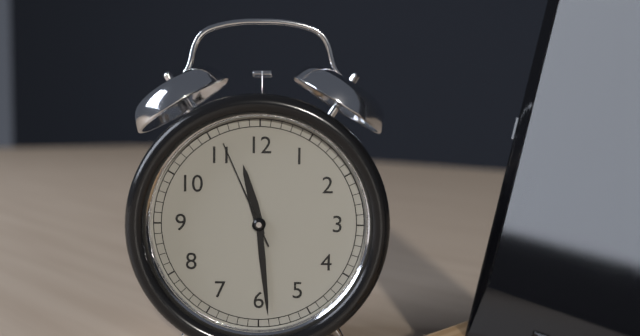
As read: 11h29m56s
